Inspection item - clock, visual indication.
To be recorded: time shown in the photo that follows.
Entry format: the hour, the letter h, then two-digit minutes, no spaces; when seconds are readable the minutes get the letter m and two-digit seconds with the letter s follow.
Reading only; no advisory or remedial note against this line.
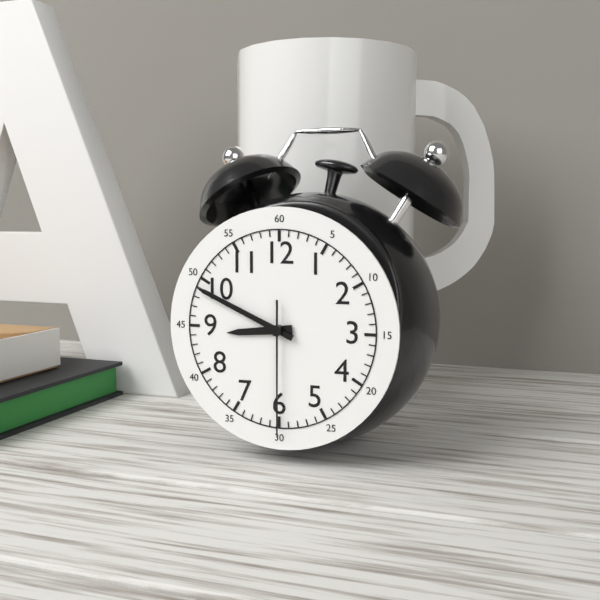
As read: 8h49m30s
